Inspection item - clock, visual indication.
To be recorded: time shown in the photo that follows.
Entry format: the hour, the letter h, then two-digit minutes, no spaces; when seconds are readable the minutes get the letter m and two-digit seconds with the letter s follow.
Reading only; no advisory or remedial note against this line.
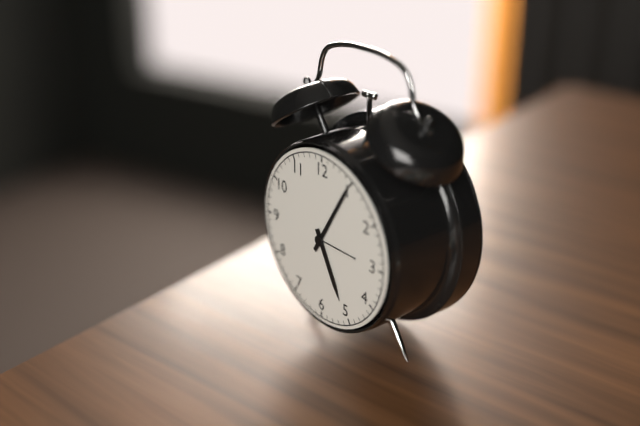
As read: 5h05
